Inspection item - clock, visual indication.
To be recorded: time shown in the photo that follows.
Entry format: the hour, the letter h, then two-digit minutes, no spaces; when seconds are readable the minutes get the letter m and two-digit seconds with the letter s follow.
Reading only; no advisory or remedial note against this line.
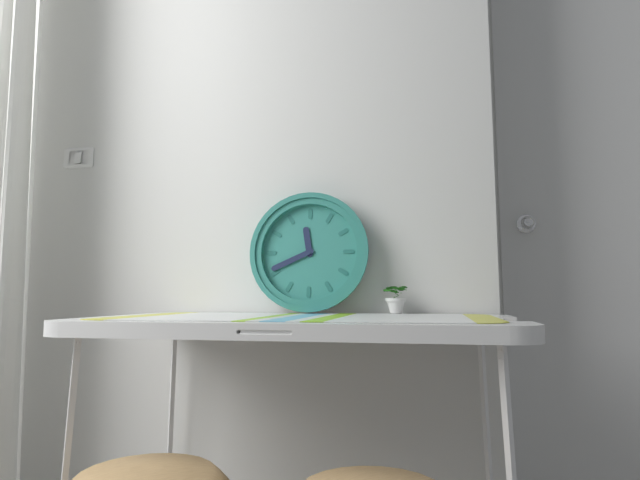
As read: 11h41
